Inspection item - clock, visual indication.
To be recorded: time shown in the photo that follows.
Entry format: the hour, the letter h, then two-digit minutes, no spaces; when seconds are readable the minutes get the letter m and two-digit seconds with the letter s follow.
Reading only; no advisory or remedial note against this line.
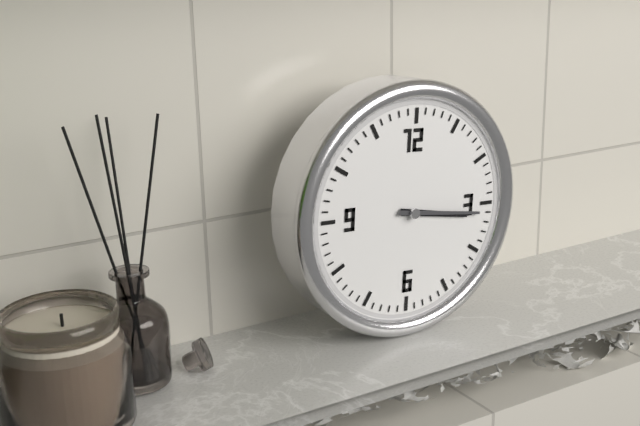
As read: 3h16
